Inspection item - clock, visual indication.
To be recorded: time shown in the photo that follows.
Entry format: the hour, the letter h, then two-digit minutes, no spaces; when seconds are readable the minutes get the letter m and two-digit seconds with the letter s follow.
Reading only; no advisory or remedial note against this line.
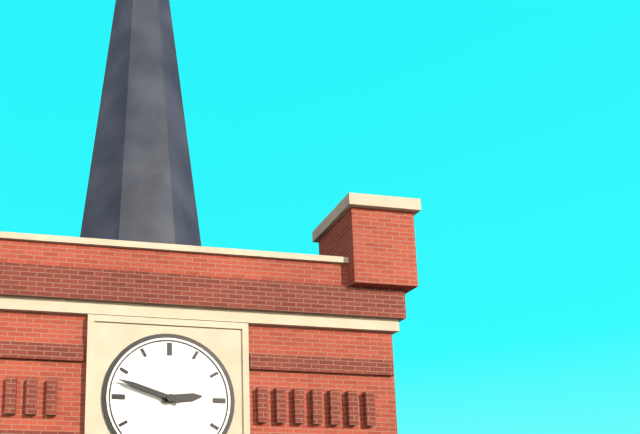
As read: 2h48
